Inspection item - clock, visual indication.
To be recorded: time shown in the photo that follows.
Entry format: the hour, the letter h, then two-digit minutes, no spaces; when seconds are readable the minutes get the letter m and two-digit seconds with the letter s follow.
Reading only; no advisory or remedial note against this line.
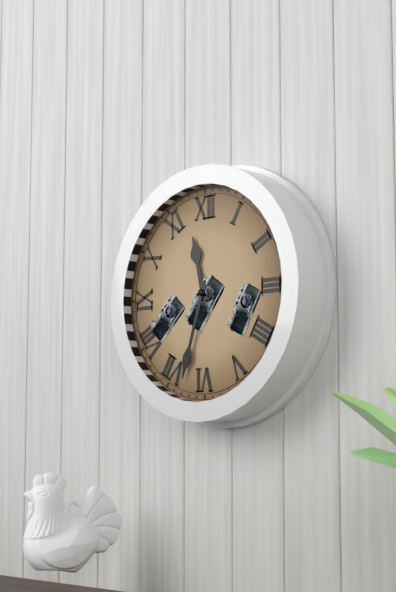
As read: 11h33
